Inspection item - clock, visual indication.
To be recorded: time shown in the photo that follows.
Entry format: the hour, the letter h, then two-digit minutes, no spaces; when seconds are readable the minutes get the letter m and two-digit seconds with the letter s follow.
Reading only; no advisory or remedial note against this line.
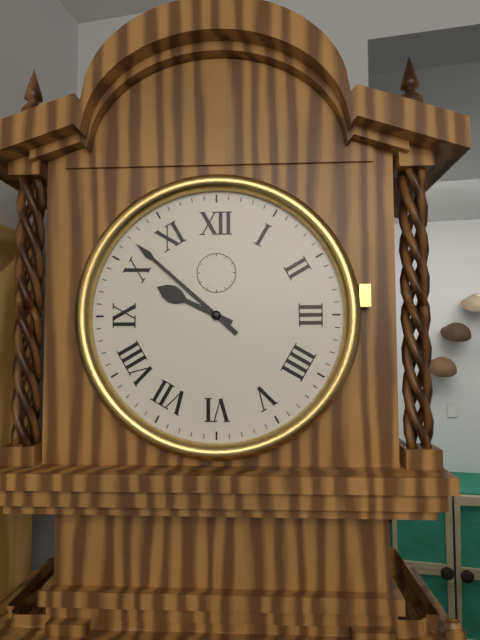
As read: 9h52
